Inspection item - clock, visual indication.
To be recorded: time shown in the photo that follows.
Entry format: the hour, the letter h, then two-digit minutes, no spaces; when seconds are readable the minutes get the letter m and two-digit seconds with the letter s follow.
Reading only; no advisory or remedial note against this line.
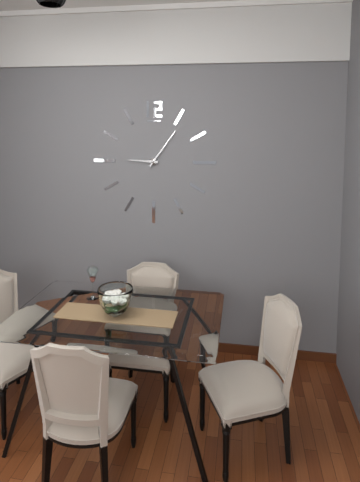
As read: 9h06
